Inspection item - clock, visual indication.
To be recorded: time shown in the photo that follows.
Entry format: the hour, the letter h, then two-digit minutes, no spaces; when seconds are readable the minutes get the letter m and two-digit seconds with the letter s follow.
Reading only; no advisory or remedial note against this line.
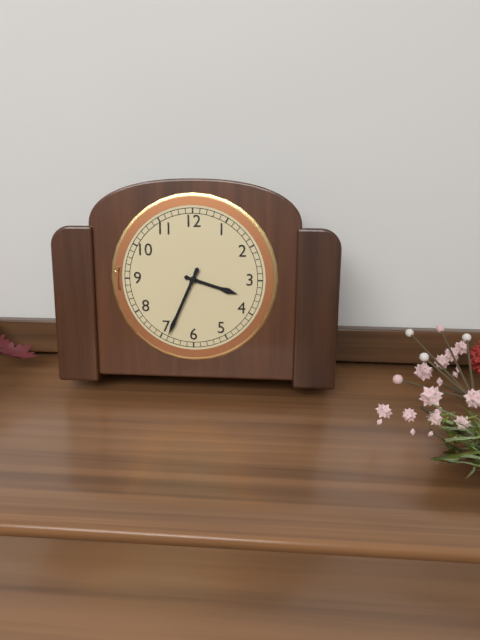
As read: 3h34
